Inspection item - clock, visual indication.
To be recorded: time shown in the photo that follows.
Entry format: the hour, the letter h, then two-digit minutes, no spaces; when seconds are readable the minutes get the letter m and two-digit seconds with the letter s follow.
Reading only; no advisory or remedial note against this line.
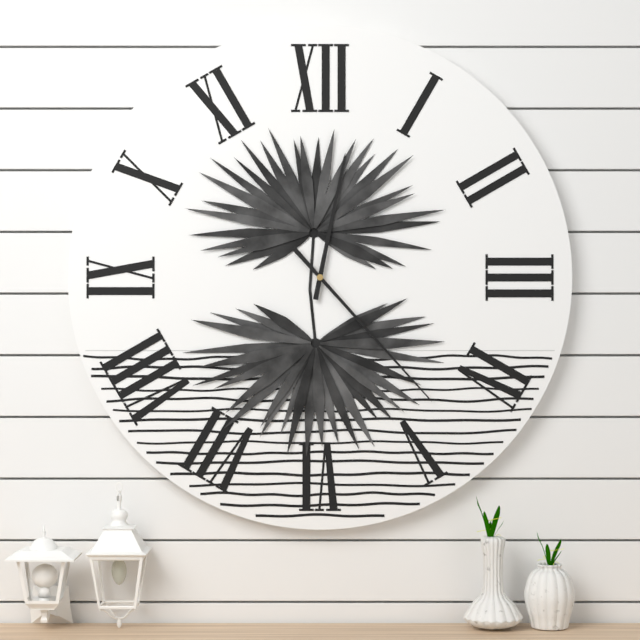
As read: 12h23
